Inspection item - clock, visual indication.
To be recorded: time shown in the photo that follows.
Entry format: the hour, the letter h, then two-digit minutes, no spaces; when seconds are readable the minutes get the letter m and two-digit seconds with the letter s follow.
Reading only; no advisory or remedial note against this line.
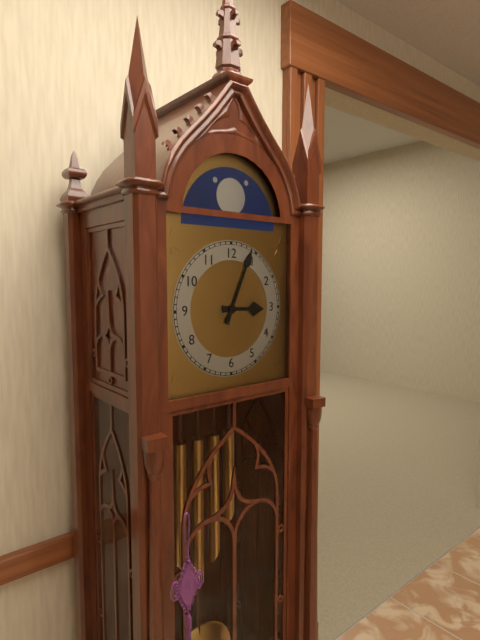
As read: 3h04
